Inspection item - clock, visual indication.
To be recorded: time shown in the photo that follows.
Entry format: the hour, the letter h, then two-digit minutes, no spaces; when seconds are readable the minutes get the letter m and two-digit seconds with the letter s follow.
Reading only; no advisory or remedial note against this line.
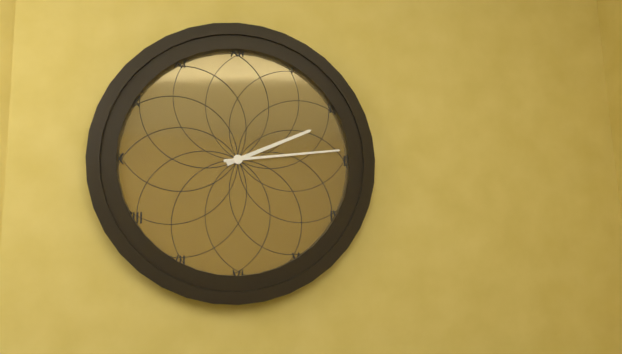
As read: 2h14
